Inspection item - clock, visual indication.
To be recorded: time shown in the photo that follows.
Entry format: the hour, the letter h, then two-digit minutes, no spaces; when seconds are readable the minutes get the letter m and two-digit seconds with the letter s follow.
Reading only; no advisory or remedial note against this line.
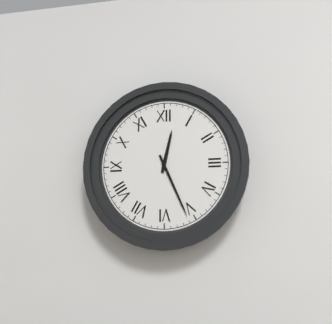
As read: 12h26
